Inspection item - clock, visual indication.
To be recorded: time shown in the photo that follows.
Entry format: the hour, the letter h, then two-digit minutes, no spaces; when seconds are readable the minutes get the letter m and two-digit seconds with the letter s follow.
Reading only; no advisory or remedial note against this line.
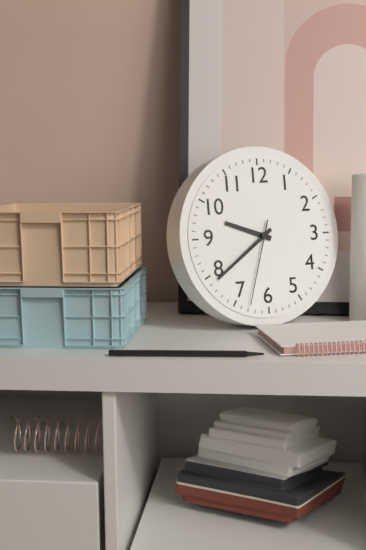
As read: 9h39m33s
